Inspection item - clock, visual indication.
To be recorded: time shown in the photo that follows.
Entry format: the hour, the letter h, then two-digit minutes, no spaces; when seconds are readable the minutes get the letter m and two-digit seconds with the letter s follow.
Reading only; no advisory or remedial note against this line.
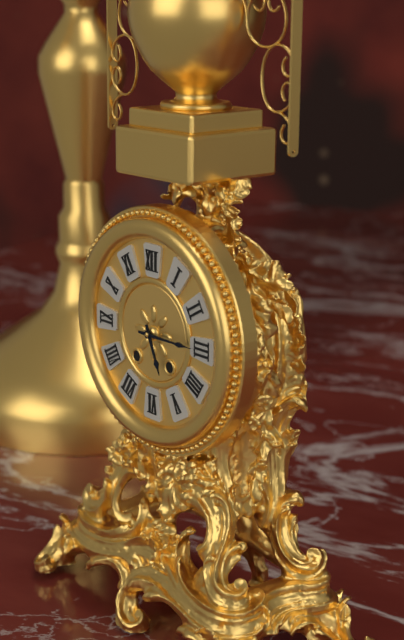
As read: 5h15
